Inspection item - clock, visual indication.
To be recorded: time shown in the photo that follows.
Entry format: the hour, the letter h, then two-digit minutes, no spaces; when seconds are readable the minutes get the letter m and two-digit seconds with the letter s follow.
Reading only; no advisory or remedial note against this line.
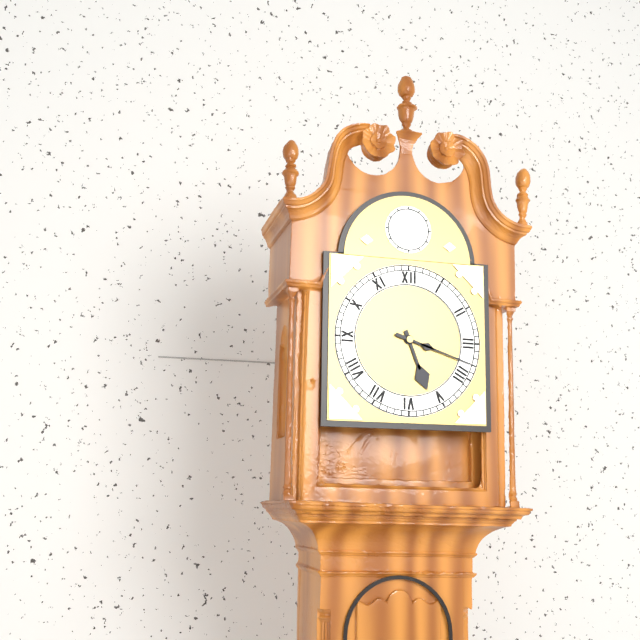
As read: 5h18
